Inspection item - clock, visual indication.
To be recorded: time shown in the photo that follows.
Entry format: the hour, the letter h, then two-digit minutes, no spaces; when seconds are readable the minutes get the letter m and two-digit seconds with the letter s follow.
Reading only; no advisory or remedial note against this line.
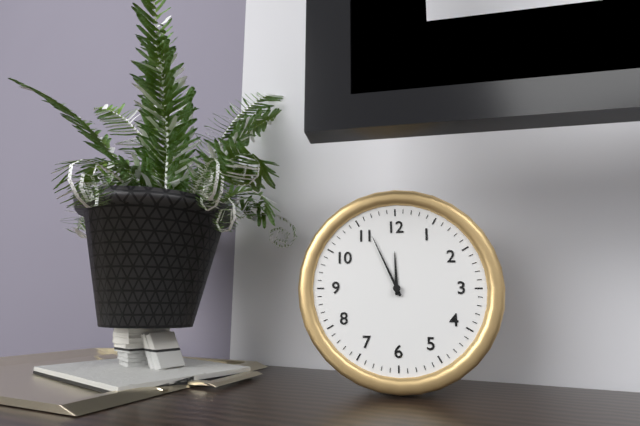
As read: 11h56
